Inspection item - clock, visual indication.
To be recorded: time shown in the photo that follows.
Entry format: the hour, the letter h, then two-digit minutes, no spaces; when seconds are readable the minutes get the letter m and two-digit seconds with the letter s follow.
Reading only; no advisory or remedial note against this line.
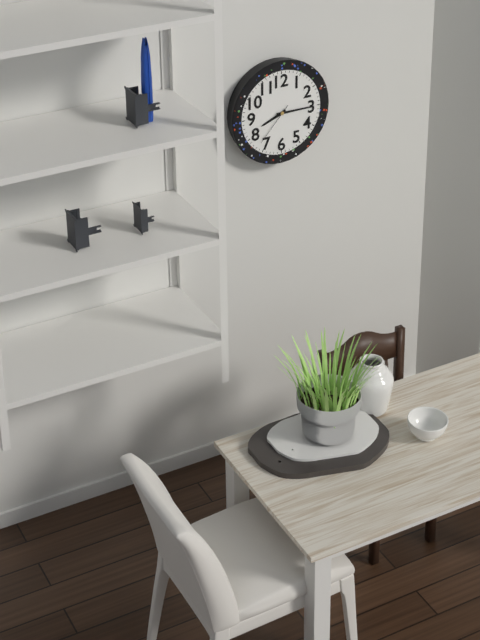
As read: 8h15
